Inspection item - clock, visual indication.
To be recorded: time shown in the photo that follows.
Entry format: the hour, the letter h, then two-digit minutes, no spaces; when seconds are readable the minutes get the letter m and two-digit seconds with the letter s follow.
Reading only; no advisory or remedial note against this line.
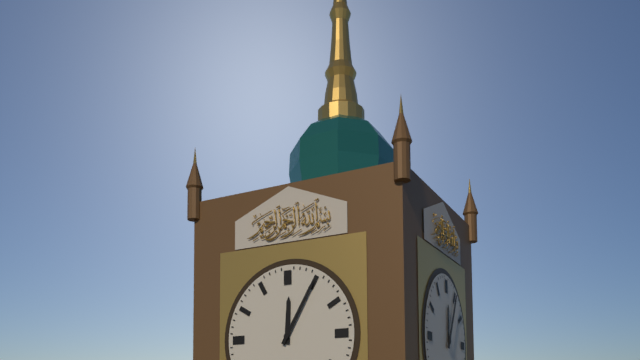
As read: 12h05
